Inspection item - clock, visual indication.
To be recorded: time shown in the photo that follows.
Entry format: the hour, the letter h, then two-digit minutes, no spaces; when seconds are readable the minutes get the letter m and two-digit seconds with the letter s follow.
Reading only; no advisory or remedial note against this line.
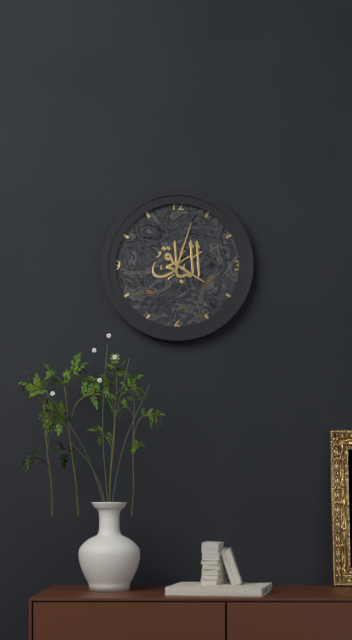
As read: 4h03
